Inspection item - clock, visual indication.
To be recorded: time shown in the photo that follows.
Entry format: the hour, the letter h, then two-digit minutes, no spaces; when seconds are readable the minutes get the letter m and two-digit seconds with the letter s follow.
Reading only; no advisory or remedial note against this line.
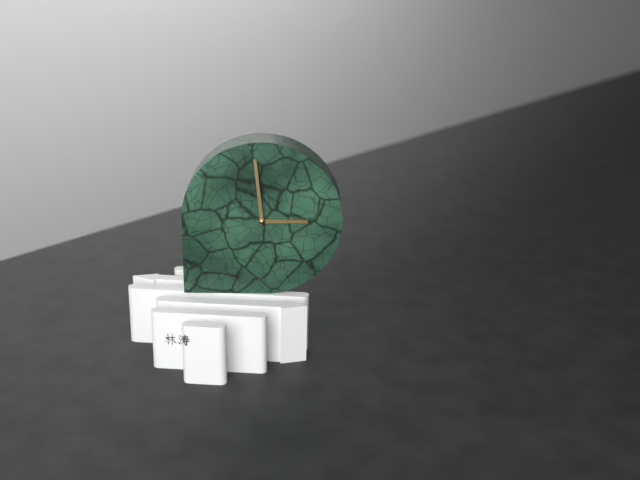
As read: 2h59
